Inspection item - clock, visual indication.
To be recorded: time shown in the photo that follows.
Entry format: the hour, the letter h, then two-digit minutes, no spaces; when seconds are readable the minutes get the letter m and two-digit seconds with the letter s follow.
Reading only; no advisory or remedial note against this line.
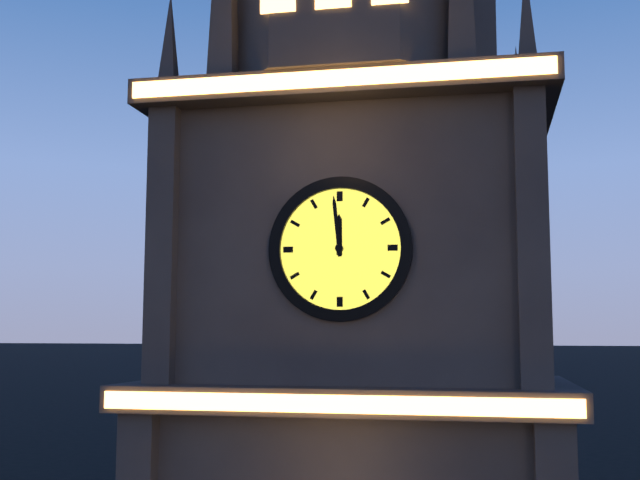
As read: 11h59
